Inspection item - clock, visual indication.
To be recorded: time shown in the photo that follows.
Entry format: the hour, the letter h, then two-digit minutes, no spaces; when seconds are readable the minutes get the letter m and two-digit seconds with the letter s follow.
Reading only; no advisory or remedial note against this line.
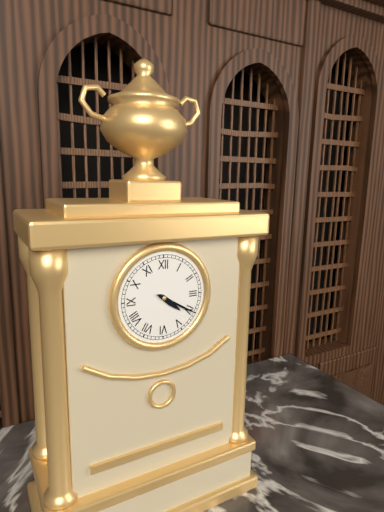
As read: 4h20
